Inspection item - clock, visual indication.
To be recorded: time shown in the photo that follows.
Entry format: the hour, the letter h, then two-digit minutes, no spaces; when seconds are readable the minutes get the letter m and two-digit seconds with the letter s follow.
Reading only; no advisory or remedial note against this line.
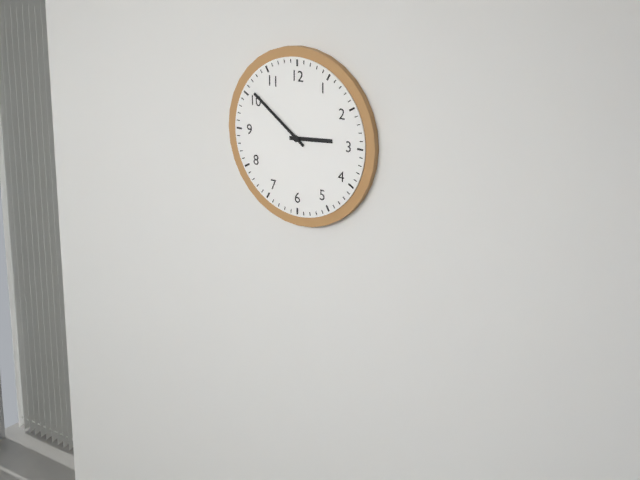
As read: 2h51
